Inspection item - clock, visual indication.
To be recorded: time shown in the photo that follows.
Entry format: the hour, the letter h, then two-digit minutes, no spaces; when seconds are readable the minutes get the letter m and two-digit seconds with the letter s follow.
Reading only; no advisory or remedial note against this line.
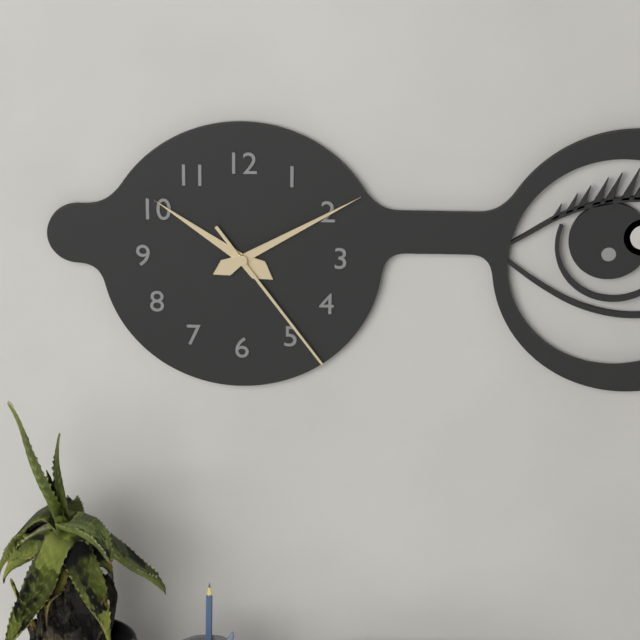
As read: 10h10m24s
